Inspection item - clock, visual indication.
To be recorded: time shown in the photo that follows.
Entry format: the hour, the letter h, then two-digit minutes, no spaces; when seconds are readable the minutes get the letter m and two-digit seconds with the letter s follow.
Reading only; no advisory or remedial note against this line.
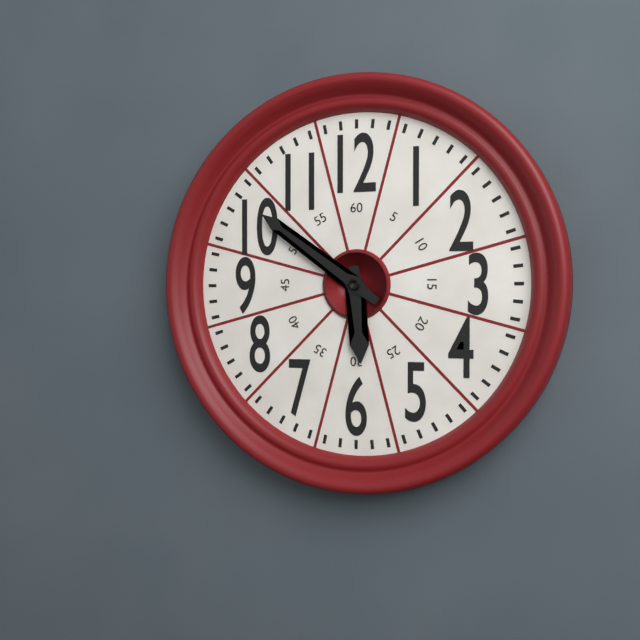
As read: 5h51
